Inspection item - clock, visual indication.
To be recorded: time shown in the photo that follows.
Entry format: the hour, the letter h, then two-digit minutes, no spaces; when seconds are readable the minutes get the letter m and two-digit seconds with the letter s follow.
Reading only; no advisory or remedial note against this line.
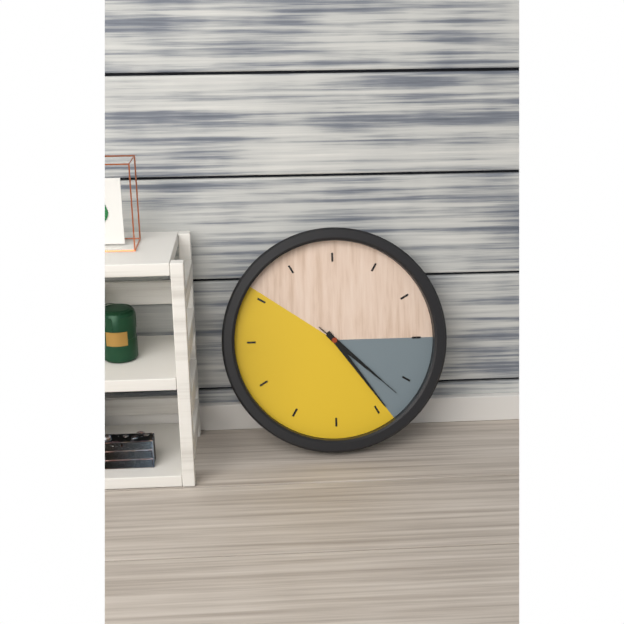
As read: 4h24m22s
